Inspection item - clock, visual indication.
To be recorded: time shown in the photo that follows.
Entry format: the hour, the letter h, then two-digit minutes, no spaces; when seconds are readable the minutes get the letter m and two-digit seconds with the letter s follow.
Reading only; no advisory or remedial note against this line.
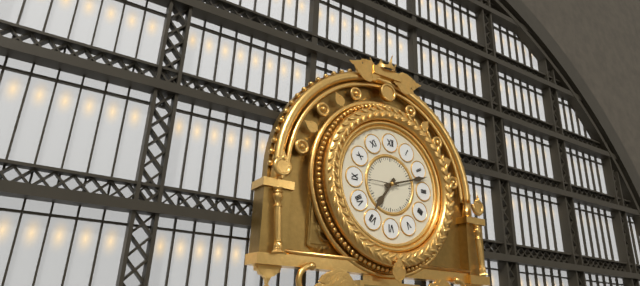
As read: 7h12
